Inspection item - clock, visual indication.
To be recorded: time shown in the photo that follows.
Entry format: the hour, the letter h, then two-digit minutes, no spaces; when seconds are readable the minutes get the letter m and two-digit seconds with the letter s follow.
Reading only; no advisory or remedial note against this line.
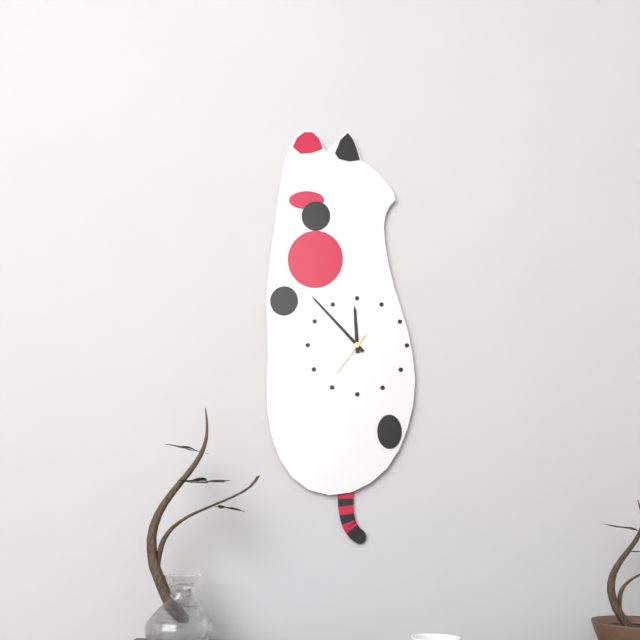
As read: 11h53
